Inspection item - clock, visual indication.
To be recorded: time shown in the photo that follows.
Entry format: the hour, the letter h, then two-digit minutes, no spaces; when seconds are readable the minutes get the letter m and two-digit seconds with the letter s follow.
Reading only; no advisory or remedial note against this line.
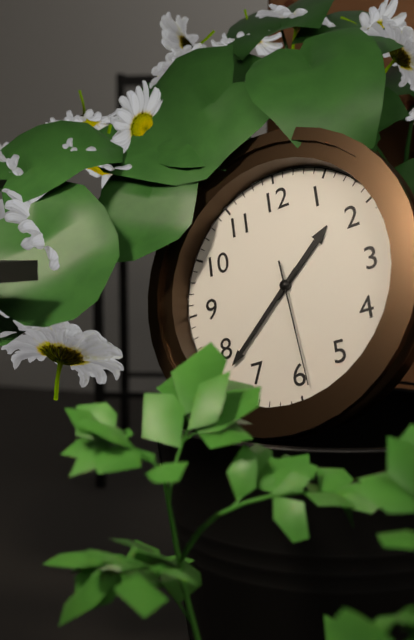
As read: 1h38m29s
